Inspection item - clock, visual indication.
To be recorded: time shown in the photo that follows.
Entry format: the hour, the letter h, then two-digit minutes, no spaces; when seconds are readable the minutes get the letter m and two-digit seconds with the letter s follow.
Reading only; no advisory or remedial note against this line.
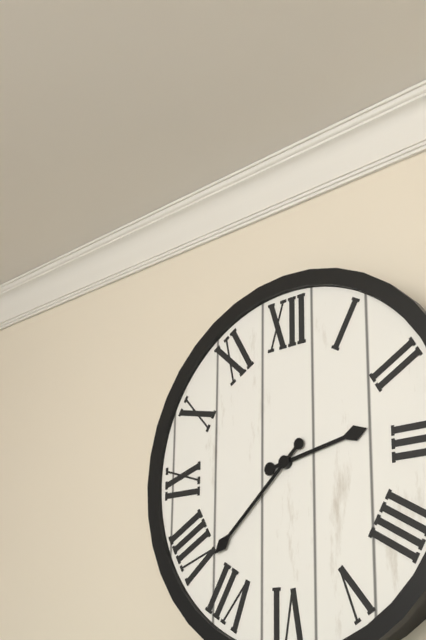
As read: 2h38
